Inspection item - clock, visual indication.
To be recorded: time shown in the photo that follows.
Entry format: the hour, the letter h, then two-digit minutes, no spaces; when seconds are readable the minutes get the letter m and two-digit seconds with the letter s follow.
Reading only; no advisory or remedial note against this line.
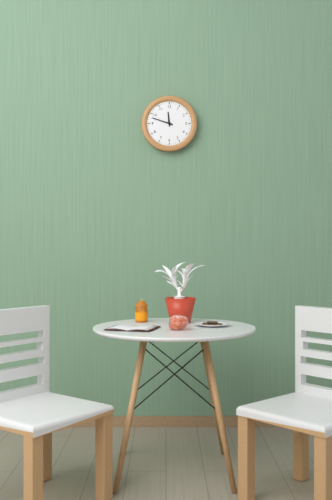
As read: 11h48
